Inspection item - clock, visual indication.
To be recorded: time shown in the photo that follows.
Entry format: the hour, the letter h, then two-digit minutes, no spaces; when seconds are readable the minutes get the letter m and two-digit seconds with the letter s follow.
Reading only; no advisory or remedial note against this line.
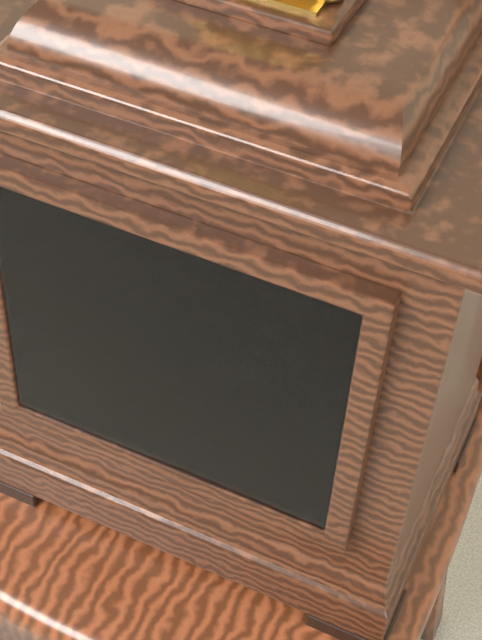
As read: 7h58
